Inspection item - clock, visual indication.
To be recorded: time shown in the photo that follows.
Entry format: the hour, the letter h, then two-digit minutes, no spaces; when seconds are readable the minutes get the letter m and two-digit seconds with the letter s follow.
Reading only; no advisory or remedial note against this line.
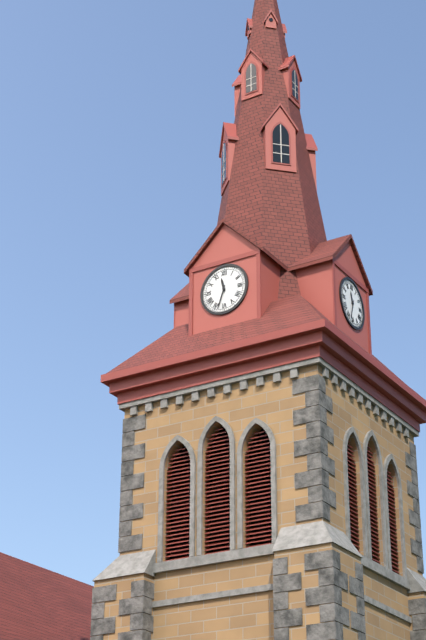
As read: 11h33
